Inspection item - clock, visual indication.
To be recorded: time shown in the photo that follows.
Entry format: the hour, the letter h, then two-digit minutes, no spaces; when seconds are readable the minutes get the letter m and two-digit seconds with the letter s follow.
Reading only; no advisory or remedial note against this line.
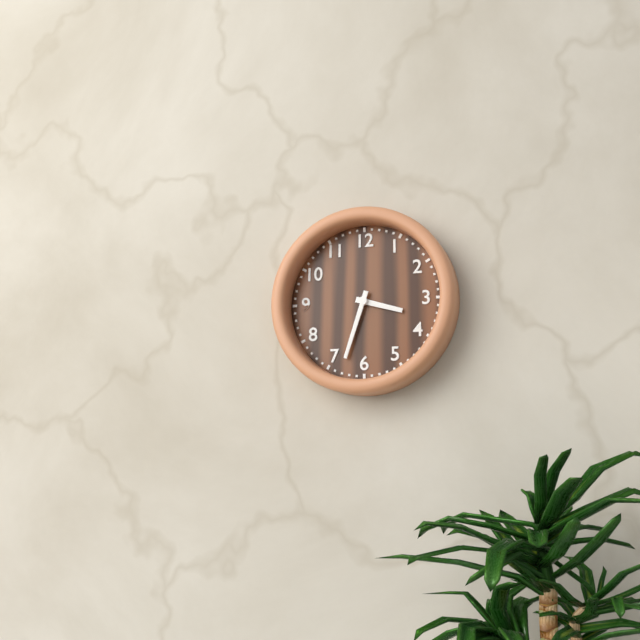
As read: 3h33
